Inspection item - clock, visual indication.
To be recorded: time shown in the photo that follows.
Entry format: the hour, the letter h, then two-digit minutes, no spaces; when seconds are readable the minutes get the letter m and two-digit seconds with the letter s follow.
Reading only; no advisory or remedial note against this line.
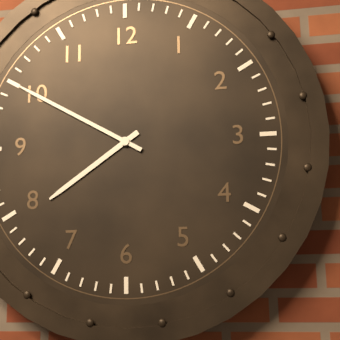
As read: 7h50
